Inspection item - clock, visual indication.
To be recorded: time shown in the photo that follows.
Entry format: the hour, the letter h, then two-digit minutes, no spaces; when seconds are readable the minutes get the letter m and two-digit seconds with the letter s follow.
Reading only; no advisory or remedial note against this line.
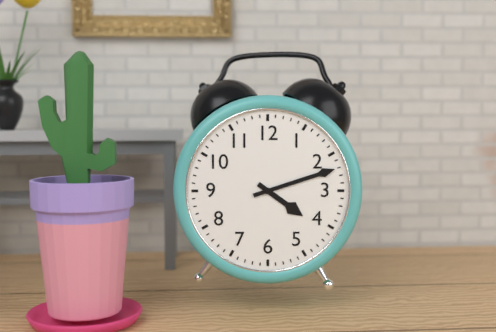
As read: 4h12
